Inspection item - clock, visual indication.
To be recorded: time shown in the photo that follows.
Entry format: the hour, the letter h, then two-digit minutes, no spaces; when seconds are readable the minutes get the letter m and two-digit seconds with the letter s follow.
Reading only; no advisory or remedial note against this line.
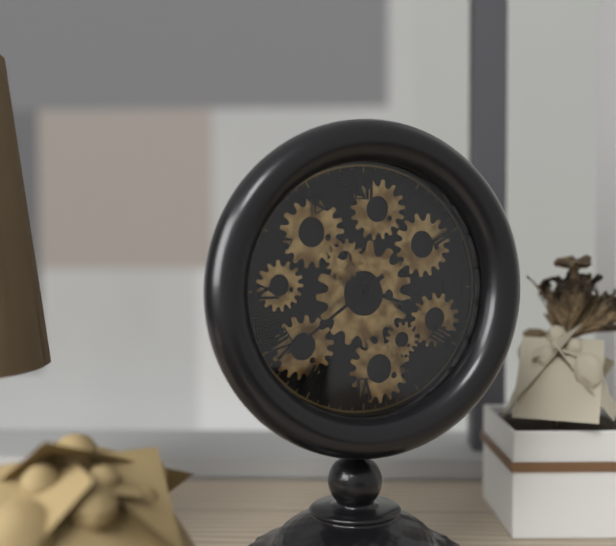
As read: 3h39
